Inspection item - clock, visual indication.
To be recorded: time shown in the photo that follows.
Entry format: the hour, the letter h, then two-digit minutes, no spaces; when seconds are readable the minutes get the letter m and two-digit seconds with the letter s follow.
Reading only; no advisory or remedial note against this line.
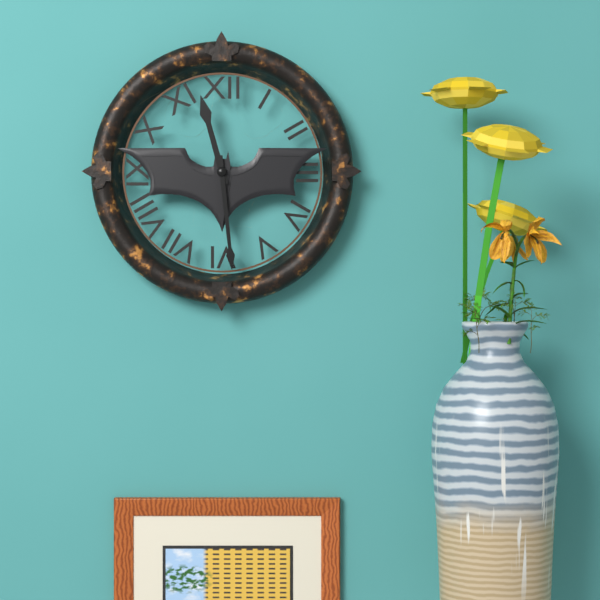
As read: 11h29
